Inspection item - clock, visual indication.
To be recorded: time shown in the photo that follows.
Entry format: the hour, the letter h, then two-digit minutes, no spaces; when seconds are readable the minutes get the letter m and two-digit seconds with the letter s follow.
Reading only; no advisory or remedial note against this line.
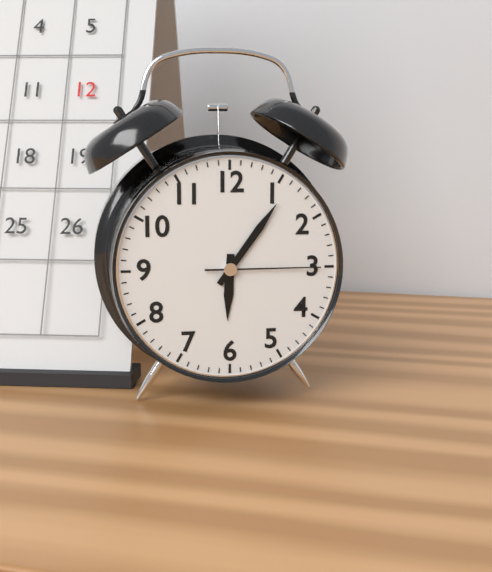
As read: 6h06m15s
